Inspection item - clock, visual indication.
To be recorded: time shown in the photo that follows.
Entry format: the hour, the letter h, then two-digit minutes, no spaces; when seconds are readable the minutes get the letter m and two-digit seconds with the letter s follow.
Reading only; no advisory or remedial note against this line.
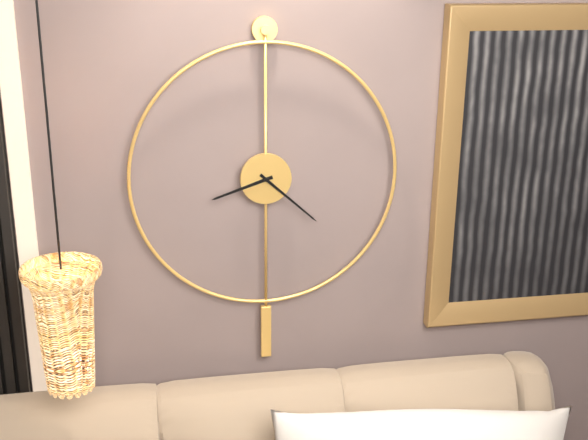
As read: 8h22
